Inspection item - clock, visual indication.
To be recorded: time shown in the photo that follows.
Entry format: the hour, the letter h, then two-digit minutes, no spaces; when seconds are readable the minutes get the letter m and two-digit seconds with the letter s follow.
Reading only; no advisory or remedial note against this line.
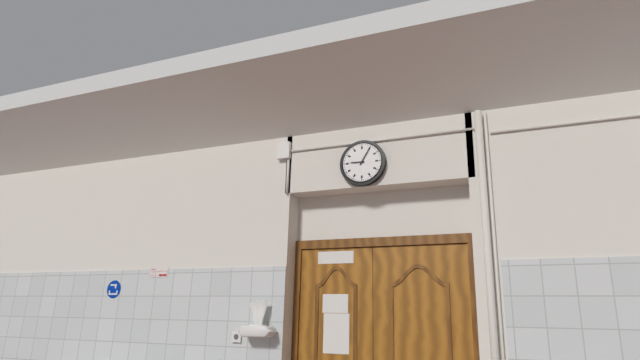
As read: 9h05
